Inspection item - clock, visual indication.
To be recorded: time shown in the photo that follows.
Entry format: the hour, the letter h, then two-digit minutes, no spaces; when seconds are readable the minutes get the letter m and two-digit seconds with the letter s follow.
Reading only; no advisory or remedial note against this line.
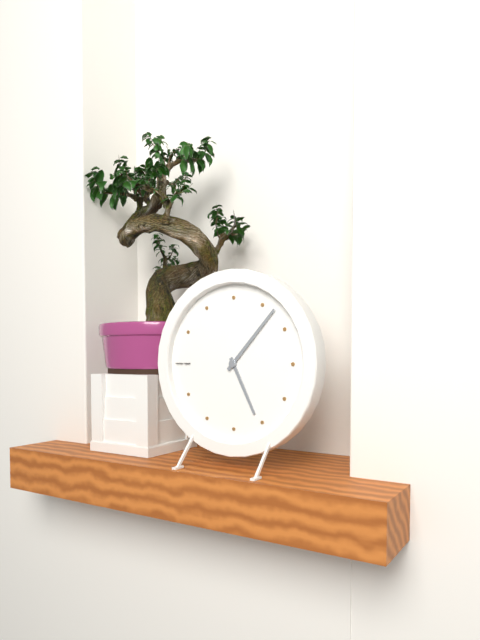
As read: 5h07
